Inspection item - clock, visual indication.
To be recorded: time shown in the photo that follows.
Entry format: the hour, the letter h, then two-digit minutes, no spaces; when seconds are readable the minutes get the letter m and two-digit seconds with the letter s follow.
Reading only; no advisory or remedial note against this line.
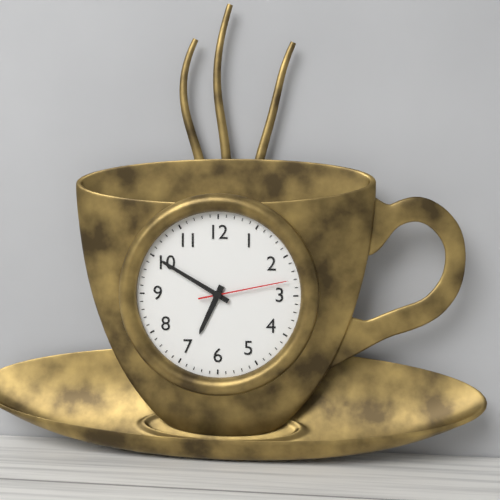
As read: 6h50m13s
